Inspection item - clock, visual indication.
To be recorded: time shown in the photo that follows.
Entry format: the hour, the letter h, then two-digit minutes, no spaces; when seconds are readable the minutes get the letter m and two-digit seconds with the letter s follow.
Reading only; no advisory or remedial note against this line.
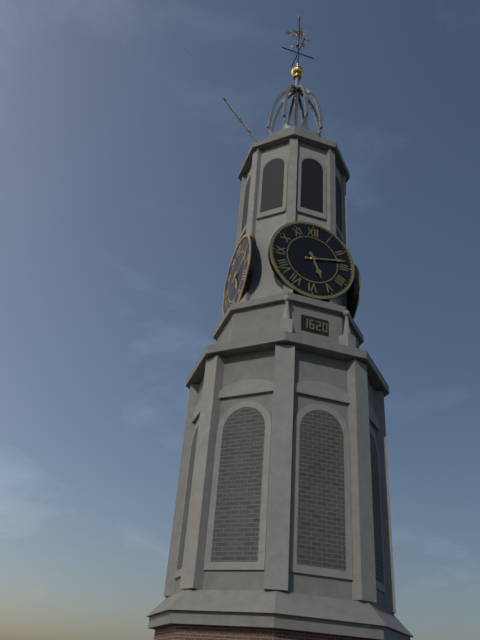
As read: 5h13
